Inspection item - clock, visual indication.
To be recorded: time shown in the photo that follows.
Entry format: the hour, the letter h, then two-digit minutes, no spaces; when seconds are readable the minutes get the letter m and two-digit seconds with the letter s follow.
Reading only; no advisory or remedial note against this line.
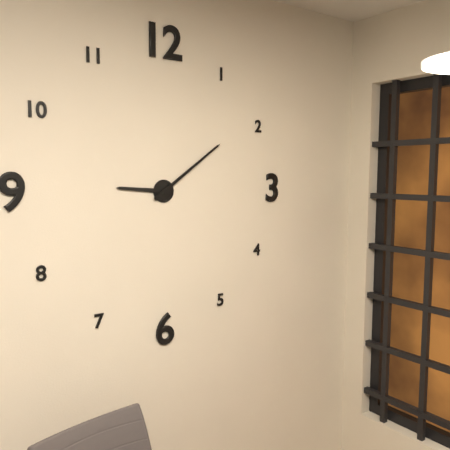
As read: 9h09
